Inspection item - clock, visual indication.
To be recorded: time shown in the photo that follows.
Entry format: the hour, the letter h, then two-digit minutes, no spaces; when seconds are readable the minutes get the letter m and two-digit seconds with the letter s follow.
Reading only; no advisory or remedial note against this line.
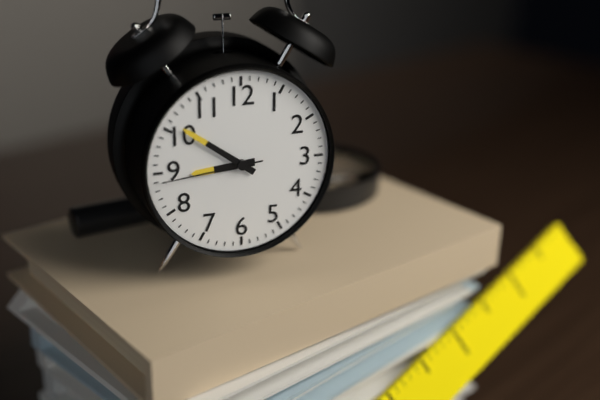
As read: 8h51m44s
